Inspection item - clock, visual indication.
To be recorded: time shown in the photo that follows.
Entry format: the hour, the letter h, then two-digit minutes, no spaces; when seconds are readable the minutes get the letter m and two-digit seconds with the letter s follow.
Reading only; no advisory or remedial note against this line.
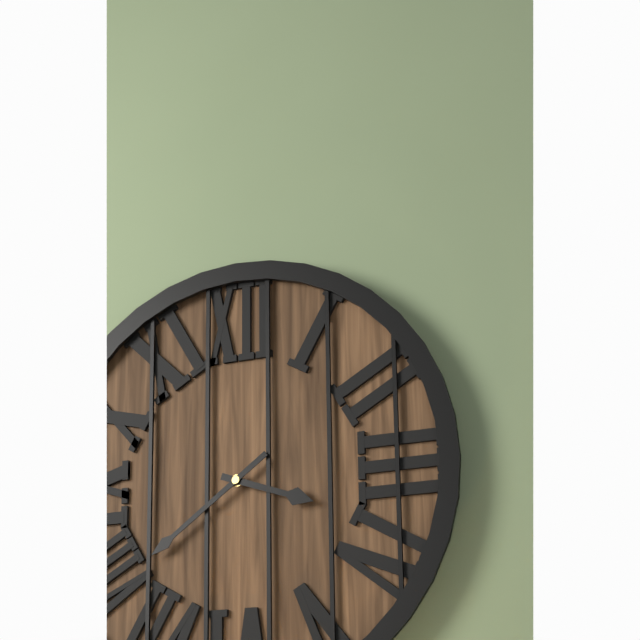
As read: 3h39
